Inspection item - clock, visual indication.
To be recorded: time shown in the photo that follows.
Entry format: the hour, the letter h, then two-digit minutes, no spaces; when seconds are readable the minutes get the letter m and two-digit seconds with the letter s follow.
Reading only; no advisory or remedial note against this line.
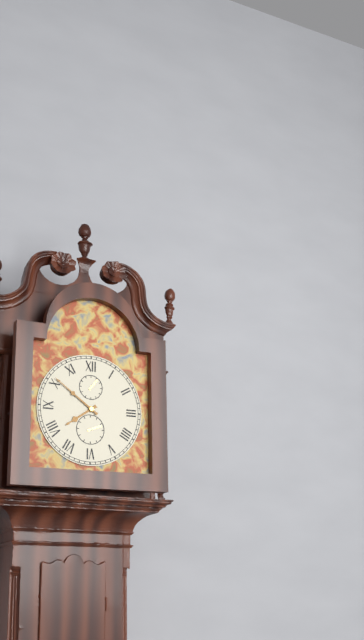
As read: 7h51
